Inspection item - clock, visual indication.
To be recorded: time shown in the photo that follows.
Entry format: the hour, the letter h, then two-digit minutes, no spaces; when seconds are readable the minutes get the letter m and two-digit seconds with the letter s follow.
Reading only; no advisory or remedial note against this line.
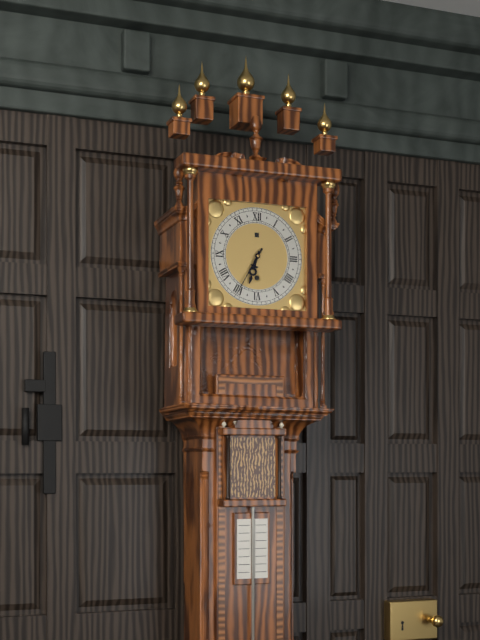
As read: 6h35
